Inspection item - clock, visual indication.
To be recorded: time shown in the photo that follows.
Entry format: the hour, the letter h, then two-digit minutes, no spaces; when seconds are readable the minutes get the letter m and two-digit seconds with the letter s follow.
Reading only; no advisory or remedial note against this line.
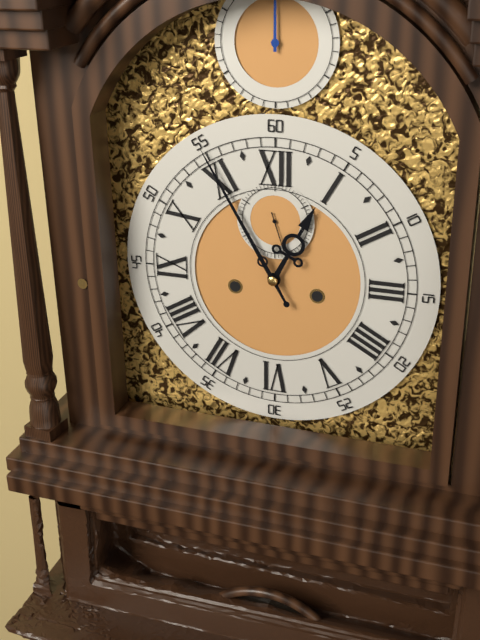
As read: 12h55
